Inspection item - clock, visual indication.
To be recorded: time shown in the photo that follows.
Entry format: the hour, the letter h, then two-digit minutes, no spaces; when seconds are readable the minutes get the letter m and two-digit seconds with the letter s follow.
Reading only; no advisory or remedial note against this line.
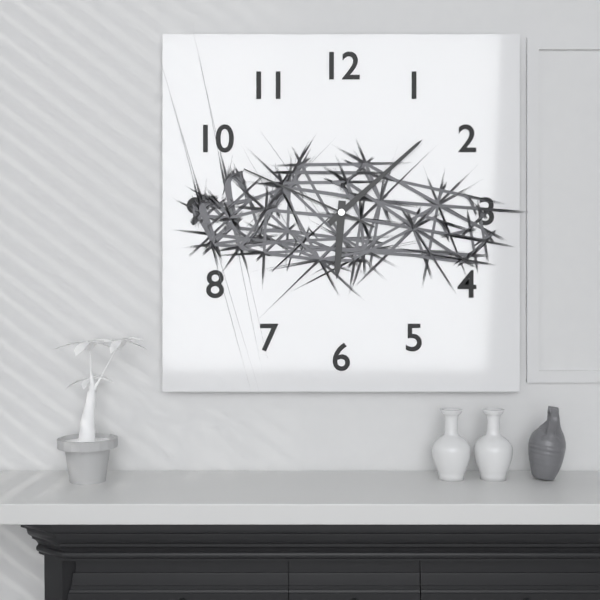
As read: 6h08m49s
